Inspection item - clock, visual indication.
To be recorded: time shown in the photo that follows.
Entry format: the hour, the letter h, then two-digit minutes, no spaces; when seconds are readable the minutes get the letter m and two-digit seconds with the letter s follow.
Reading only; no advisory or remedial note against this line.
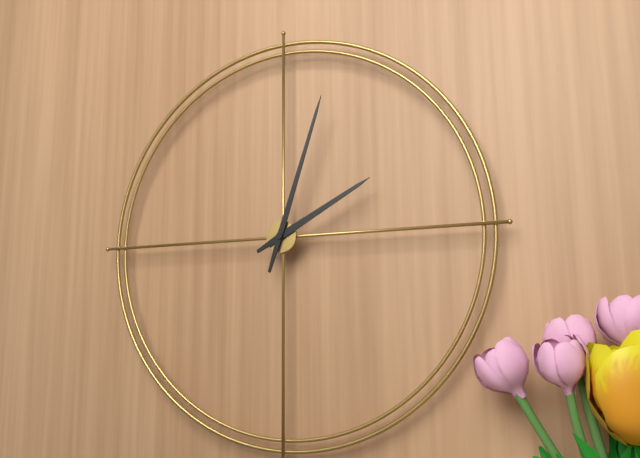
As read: 2h03
